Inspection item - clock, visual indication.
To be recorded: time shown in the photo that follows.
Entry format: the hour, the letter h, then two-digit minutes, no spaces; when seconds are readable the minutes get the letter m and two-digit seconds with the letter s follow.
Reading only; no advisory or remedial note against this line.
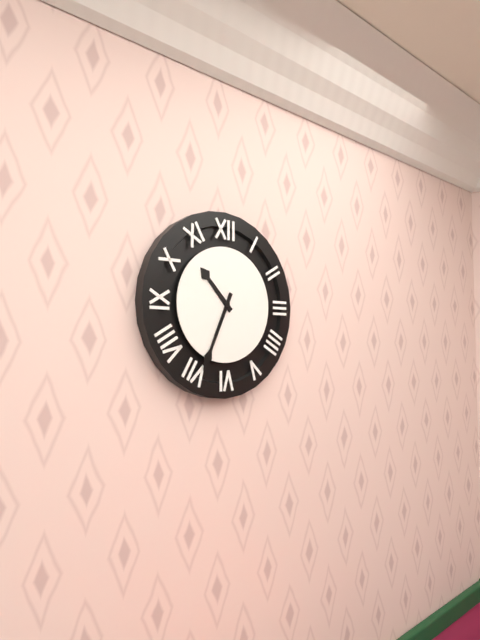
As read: 10h34
